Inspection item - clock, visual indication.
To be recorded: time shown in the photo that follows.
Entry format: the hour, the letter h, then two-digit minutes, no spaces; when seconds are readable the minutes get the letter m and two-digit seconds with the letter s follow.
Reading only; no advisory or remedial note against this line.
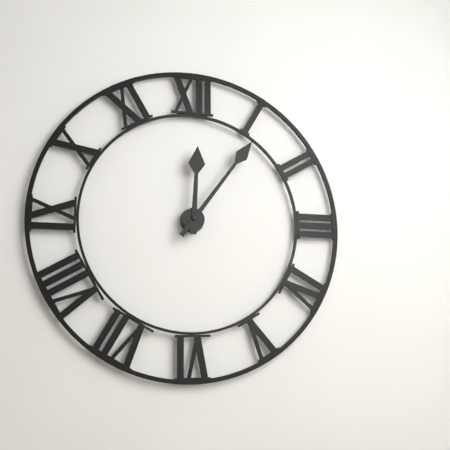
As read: 12h06
